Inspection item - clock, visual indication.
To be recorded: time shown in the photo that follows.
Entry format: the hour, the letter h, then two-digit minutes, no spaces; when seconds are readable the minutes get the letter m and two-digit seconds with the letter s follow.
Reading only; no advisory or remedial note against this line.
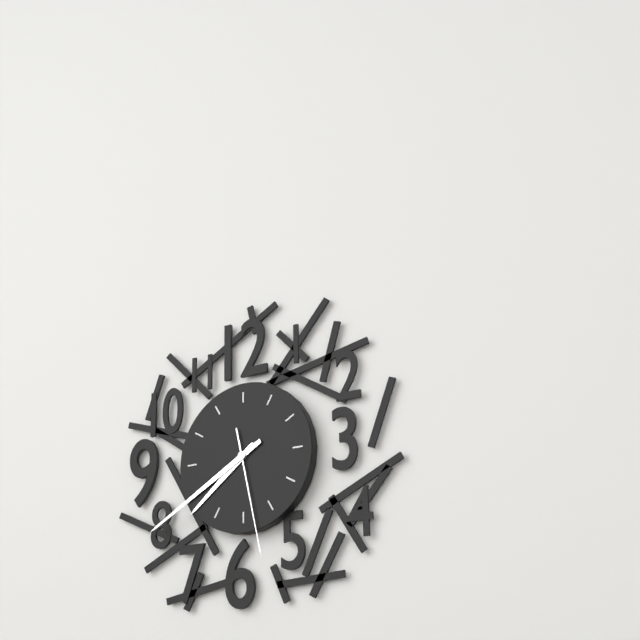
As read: 7h40m28s
